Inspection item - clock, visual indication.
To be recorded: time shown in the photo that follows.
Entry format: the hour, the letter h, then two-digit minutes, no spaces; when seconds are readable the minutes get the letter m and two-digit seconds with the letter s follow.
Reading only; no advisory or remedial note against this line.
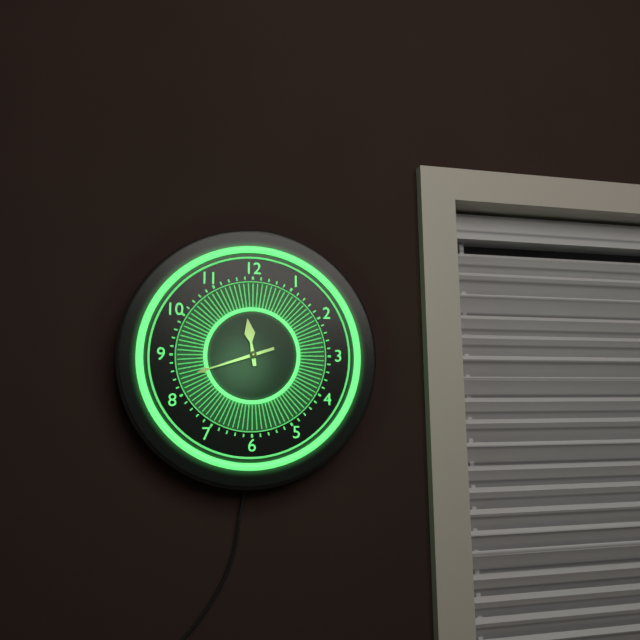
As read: 11h42
